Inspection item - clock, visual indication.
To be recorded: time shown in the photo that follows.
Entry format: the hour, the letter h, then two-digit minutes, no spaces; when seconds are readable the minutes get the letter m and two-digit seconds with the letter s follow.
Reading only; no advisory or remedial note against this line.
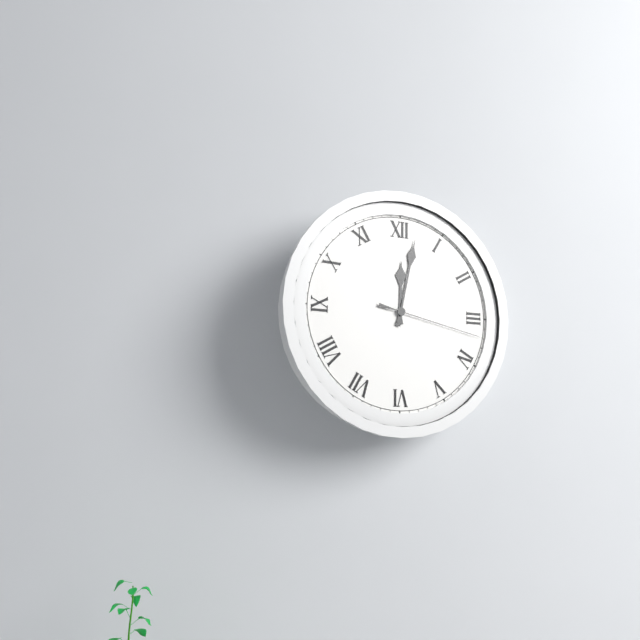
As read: 12h02m17s
